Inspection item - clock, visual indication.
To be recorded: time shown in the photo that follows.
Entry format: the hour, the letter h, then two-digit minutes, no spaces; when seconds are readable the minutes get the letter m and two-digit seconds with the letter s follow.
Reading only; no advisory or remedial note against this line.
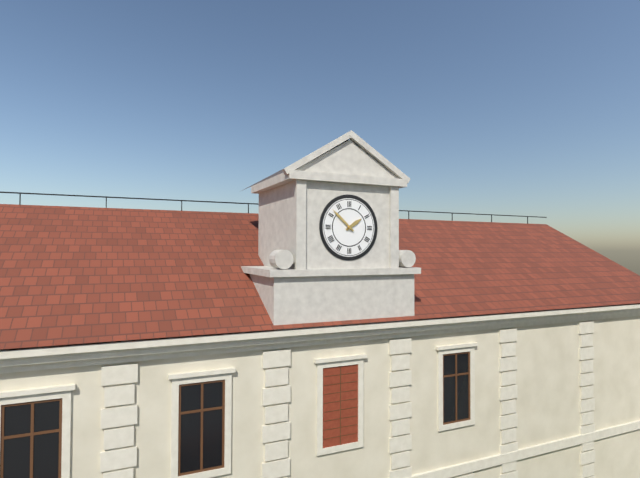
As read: 1h52
